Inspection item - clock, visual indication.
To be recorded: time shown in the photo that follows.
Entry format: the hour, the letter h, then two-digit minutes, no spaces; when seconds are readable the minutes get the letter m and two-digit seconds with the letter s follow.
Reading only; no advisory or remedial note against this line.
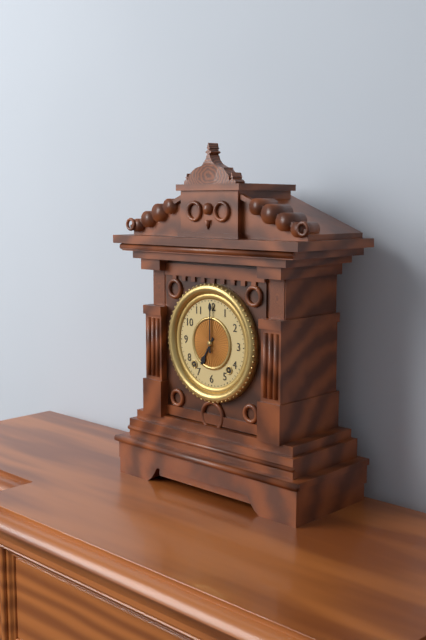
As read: 7h00
